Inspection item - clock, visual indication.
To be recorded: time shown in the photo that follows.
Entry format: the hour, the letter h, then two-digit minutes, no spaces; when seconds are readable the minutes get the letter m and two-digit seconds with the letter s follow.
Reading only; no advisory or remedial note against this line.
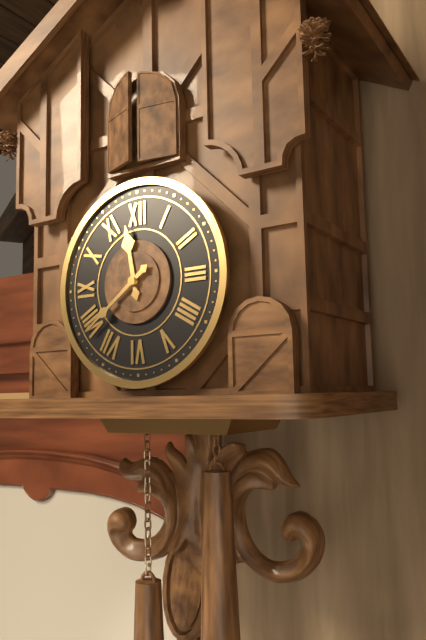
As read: 11h39
